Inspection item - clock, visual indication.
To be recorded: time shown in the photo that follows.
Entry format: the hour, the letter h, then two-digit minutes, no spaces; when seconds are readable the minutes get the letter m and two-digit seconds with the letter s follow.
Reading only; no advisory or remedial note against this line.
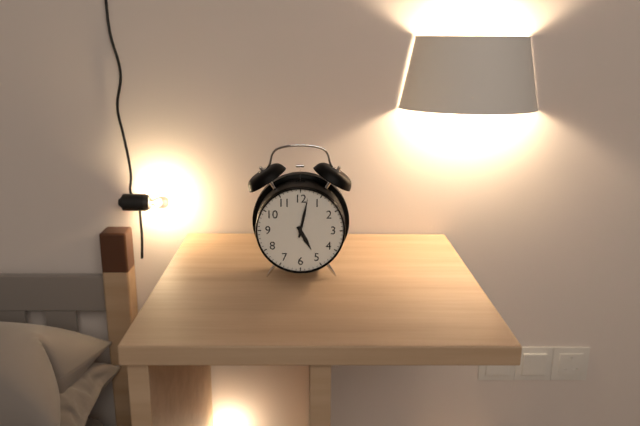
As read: 5h02
